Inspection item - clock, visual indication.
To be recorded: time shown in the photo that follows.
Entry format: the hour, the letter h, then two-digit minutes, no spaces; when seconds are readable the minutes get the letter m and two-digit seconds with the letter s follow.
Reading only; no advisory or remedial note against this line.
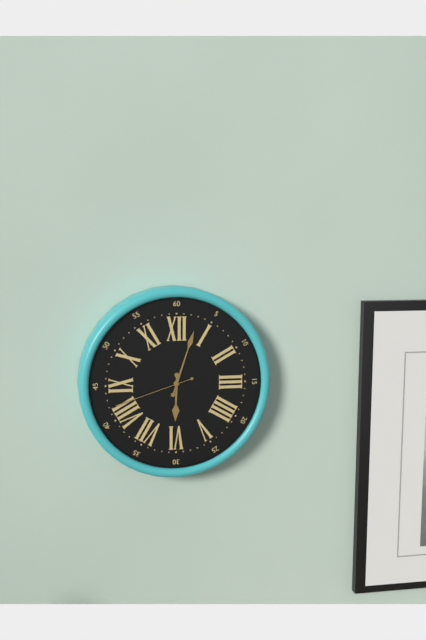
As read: 6h03m42s
